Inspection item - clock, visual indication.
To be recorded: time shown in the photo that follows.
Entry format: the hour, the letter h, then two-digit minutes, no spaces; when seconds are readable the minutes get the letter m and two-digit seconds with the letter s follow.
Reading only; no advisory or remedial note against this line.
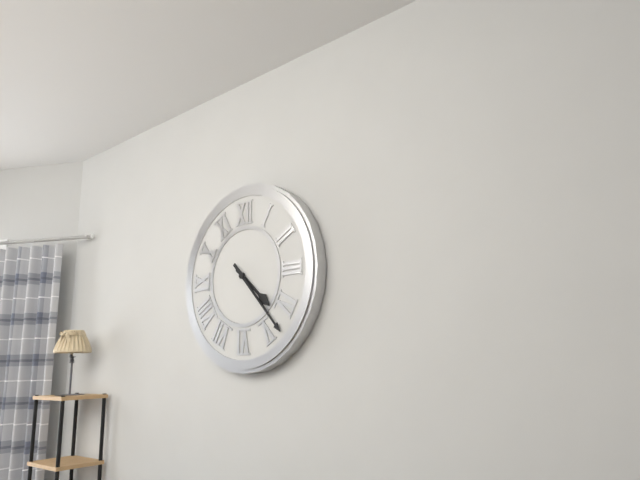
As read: 4h23
